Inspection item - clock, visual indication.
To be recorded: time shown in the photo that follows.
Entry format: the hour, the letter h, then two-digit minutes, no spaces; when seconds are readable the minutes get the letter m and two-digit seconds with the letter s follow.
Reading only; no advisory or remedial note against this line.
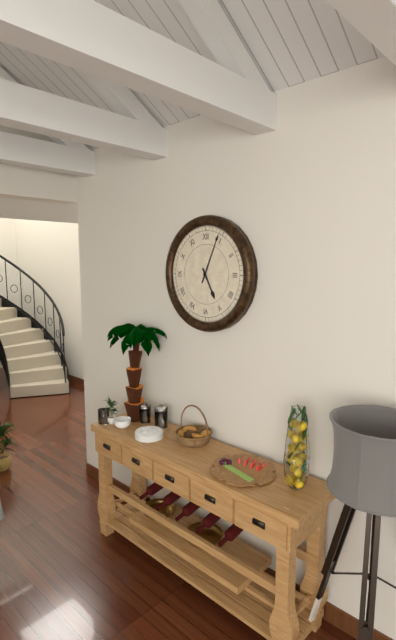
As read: 5h04
